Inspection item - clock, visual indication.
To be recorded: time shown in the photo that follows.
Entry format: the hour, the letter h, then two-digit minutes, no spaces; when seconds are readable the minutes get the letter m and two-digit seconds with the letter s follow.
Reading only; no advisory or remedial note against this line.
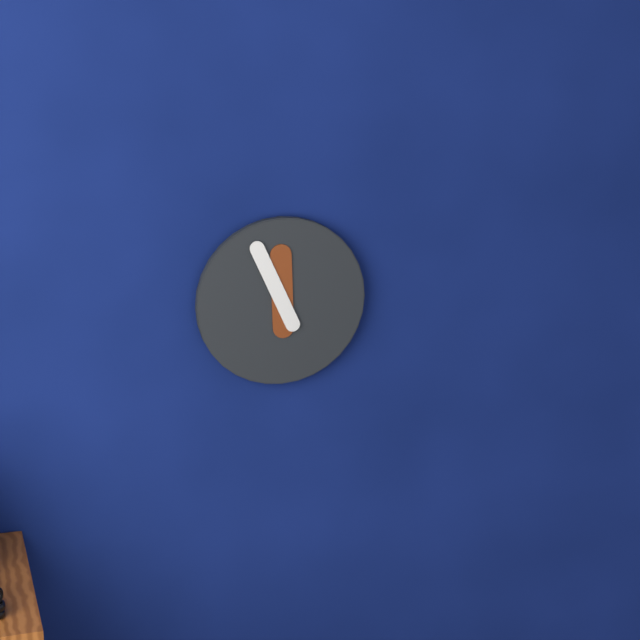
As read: 11h56
